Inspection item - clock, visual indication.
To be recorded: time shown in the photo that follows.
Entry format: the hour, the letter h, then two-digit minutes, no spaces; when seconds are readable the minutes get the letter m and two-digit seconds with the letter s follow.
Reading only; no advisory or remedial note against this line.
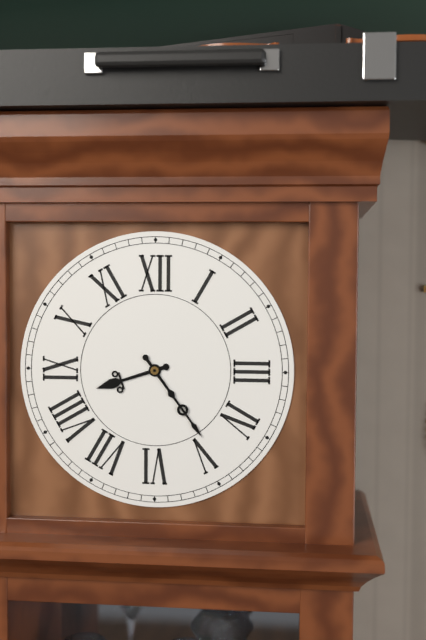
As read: 8h24
